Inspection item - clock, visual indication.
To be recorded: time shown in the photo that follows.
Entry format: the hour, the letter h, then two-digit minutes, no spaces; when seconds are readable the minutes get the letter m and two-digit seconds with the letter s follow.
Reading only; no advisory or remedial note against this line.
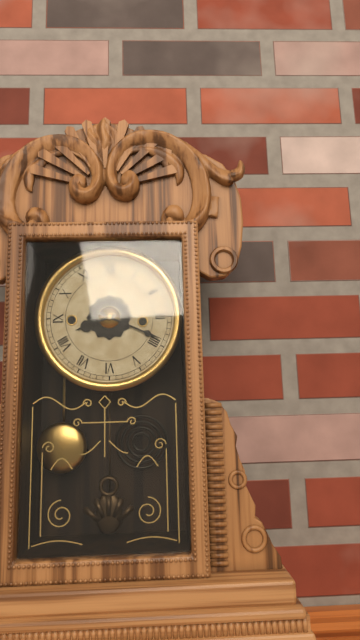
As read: 8h19
